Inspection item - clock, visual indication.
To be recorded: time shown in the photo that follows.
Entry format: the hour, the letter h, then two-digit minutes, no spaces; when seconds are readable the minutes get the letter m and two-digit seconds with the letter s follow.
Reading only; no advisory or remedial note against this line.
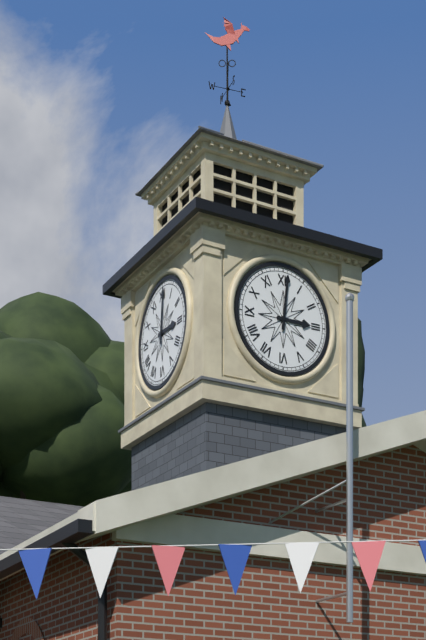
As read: 3h01
